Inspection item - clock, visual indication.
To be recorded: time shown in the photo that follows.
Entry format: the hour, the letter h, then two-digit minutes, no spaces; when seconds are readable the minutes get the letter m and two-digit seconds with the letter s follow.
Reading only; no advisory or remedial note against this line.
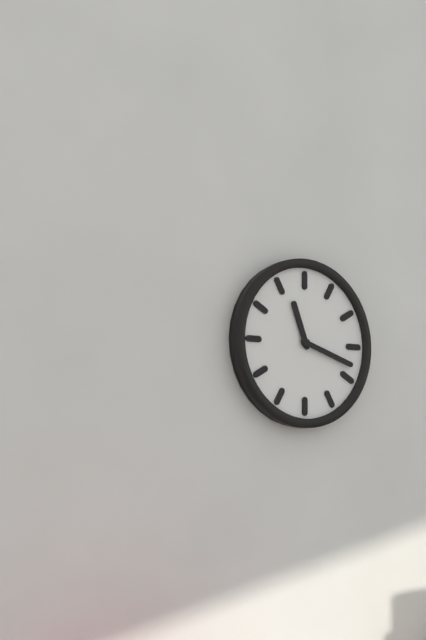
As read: 11h18
